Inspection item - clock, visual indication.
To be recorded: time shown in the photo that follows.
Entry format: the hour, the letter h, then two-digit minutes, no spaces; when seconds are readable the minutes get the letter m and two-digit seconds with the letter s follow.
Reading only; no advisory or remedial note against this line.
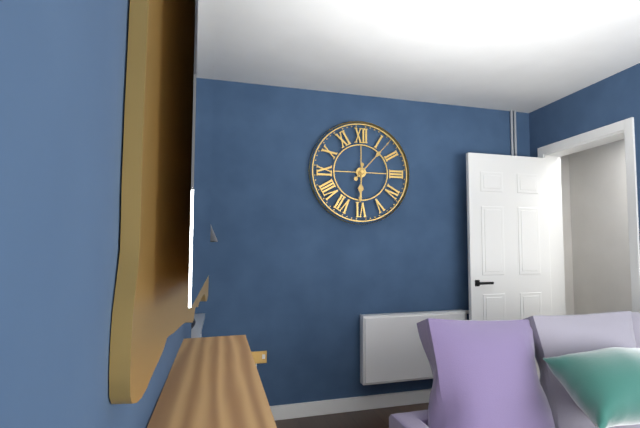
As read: 6h07
